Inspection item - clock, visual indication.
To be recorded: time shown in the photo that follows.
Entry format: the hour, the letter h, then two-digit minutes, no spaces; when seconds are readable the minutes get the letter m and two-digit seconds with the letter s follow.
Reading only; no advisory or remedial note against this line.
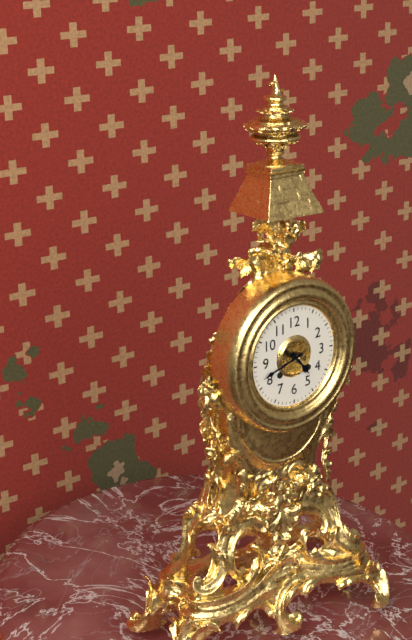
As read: 4h42
